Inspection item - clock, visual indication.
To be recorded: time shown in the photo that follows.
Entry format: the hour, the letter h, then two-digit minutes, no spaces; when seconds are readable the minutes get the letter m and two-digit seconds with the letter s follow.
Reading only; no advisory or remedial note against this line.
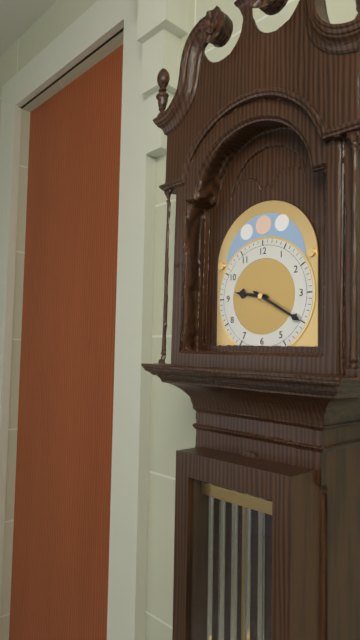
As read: 9h20
